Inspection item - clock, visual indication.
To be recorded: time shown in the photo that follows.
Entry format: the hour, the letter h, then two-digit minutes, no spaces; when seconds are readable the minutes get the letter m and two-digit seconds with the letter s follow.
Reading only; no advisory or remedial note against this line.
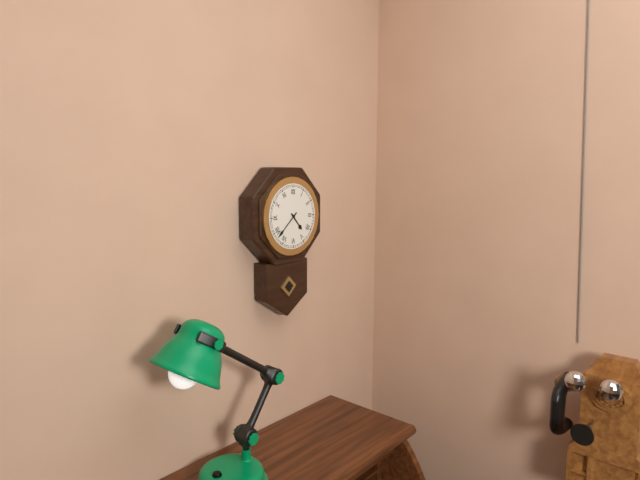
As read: 4h38
